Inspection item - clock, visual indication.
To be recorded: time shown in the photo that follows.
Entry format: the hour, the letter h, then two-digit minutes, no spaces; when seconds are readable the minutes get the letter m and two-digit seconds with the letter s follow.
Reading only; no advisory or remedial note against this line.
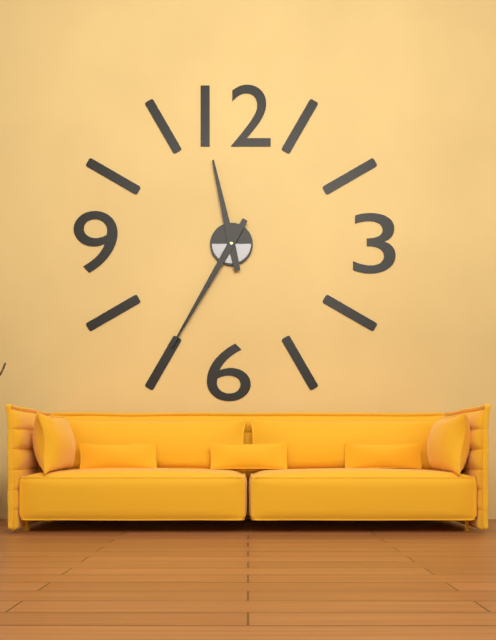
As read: 11h35
